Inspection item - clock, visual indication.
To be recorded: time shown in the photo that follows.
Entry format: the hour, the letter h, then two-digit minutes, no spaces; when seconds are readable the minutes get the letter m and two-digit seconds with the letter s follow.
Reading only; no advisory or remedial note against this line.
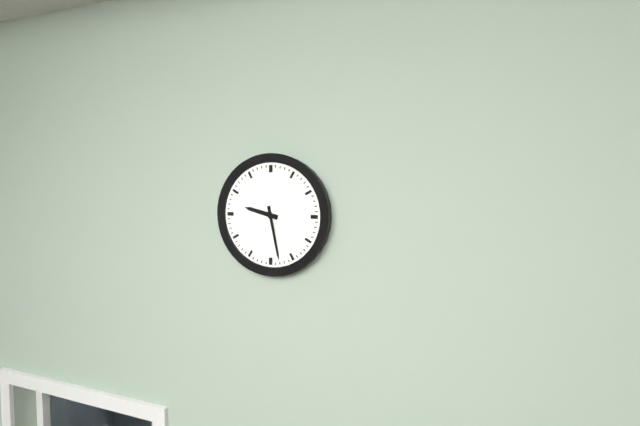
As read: 9h28
